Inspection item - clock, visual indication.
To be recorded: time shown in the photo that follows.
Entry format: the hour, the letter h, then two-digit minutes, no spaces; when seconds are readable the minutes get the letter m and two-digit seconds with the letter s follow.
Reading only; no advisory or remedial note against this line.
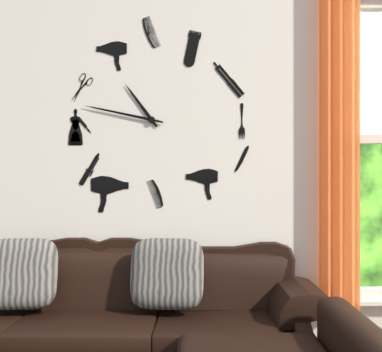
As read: 10h47
